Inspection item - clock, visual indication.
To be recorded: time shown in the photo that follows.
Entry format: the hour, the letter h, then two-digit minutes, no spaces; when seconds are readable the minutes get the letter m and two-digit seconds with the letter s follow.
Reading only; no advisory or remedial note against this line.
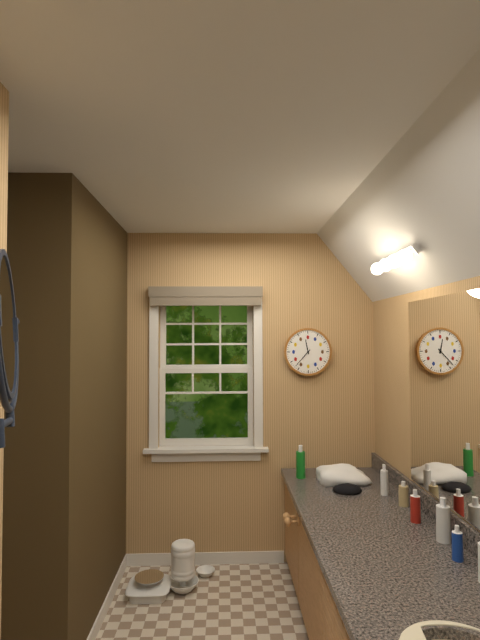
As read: 11h37
